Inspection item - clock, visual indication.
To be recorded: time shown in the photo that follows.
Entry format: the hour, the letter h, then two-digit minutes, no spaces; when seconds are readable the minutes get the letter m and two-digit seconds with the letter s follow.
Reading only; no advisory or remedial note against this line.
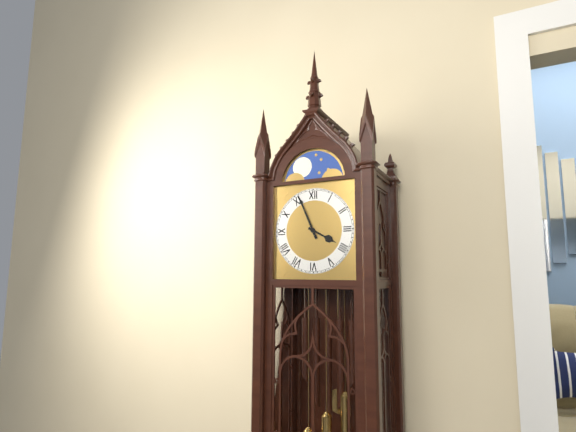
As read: 3h56
